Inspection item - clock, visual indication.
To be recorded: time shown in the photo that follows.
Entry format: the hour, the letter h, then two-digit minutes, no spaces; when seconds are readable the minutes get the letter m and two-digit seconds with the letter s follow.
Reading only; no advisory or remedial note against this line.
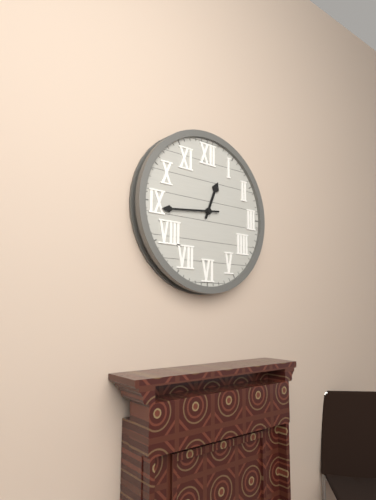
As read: 12h44
